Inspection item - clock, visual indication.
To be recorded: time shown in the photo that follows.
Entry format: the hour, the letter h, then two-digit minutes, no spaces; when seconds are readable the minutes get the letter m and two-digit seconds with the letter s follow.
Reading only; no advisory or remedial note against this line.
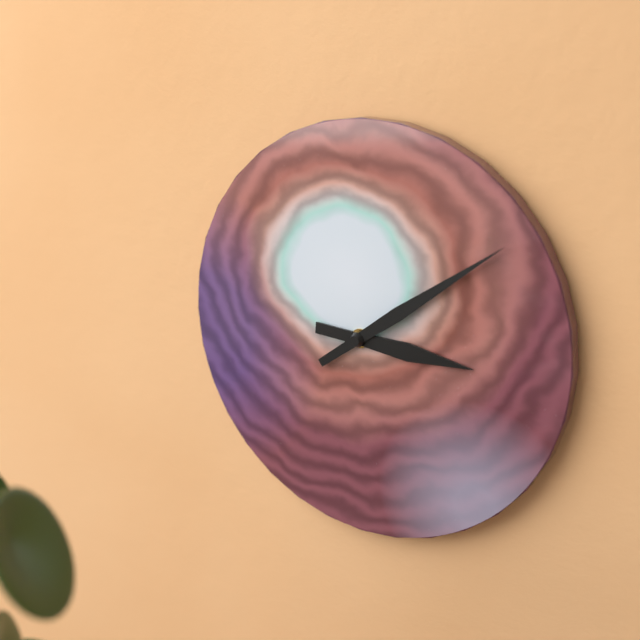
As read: 3h09
